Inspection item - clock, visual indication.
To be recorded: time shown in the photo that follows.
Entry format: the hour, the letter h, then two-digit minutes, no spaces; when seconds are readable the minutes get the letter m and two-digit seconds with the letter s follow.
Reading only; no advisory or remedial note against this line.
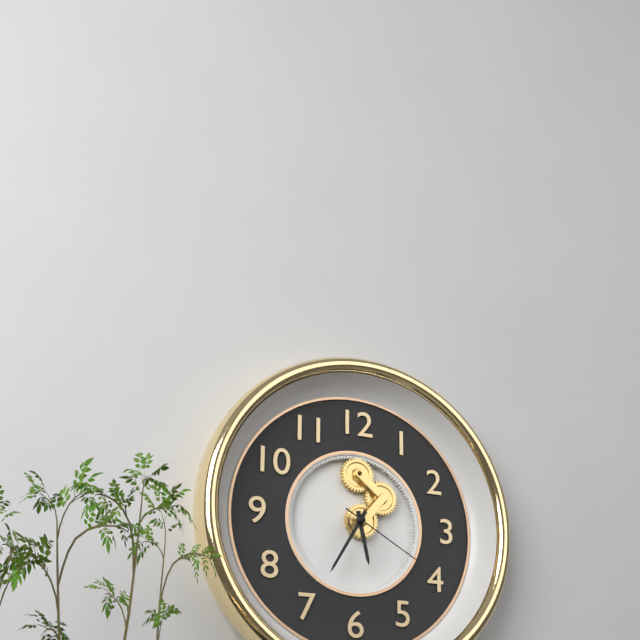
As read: 5h35m20s
